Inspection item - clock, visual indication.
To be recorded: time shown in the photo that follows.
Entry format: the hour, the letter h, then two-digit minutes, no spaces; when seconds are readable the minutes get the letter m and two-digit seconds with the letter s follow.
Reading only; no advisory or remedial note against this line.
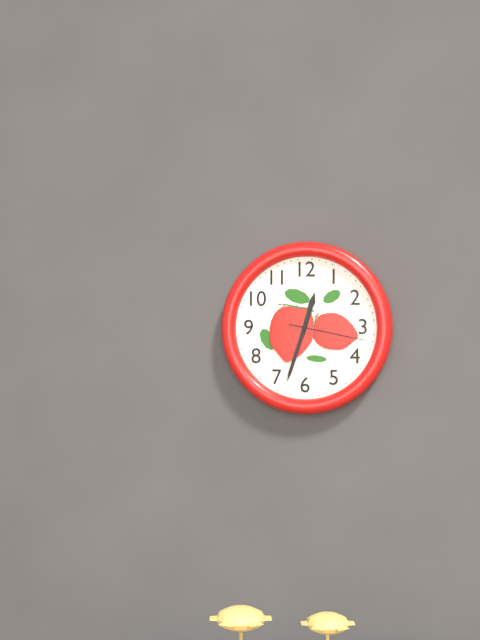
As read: 12h33m17s
